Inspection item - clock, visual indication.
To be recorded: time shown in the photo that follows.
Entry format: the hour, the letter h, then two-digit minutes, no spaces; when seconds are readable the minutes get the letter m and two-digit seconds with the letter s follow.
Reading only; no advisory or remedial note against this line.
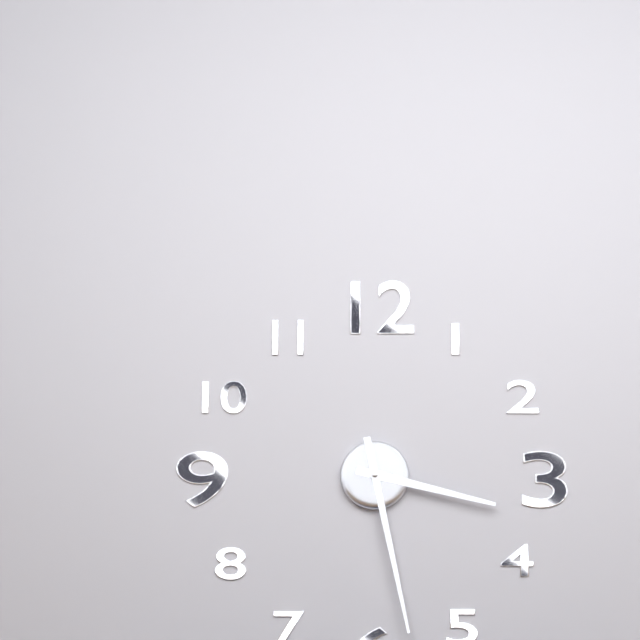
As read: 3h28
